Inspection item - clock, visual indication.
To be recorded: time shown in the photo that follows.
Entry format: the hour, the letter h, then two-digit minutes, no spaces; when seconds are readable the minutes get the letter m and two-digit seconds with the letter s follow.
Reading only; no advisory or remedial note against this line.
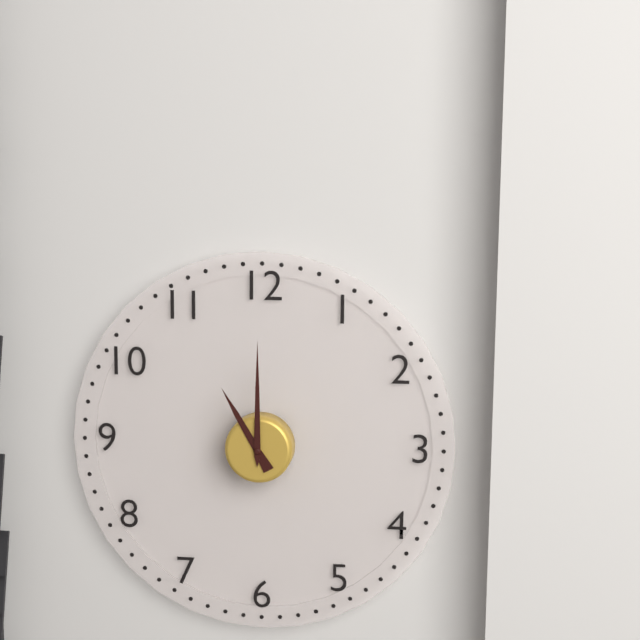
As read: 11h00
